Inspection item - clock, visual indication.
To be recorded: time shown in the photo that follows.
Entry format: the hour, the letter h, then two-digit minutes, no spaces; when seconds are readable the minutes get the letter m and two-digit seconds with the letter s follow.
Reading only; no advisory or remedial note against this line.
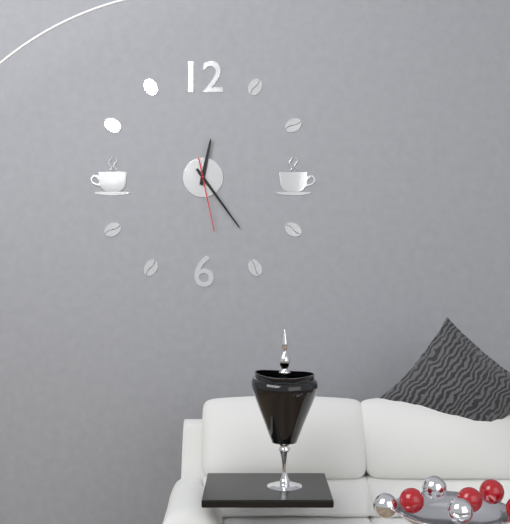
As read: 12h24m28s
